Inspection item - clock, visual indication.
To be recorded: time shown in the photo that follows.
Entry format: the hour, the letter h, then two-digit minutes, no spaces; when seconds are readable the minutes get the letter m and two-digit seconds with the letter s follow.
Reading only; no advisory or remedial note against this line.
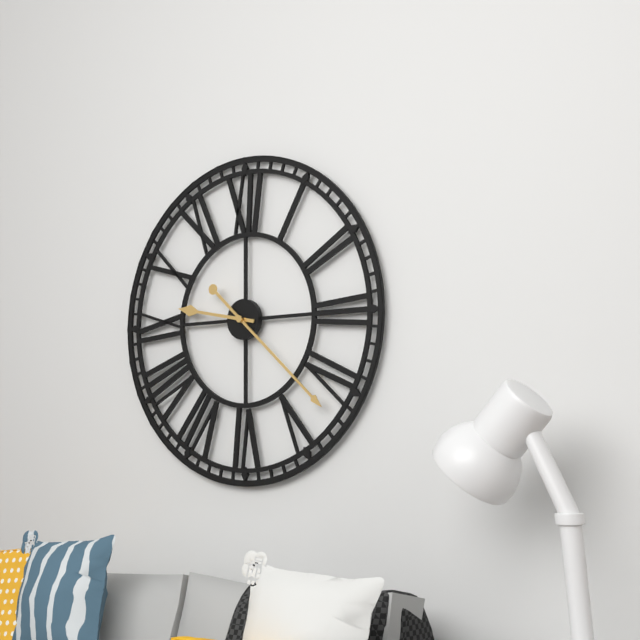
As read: 9h22
